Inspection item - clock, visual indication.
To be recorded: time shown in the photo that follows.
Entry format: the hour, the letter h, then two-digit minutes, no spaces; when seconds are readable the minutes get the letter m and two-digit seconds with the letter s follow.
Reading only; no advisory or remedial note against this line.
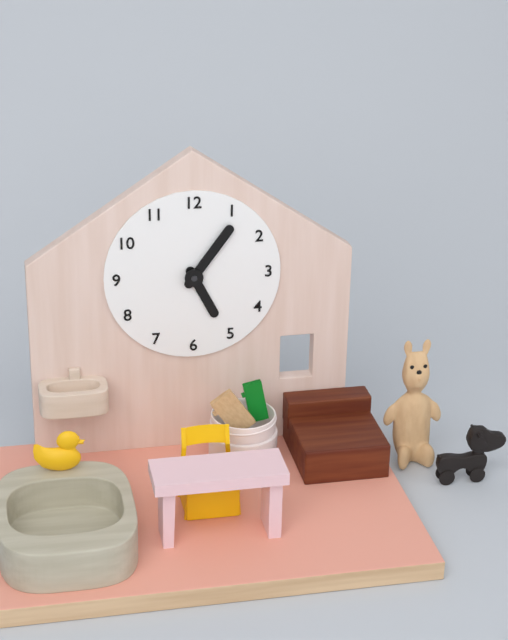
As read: 5h06
